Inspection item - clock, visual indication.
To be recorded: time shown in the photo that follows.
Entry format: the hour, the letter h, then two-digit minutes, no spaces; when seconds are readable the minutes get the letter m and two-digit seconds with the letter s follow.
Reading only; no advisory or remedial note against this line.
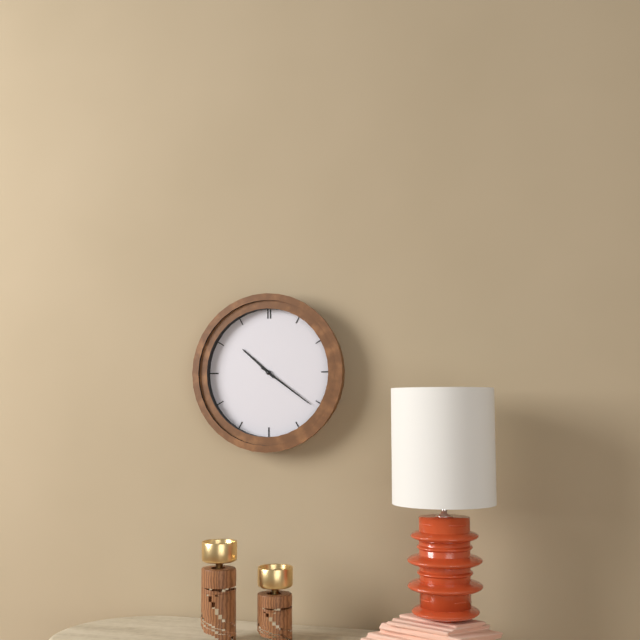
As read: 10h21
